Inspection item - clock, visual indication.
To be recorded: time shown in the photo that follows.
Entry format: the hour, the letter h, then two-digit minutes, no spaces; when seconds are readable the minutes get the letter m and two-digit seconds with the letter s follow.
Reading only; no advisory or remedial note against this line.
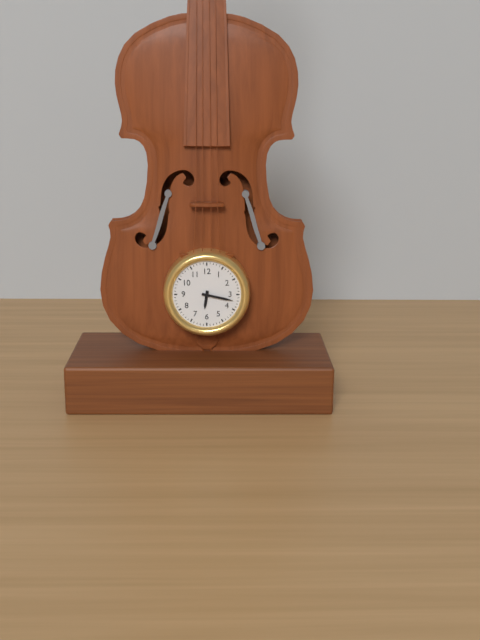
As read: 6h17
